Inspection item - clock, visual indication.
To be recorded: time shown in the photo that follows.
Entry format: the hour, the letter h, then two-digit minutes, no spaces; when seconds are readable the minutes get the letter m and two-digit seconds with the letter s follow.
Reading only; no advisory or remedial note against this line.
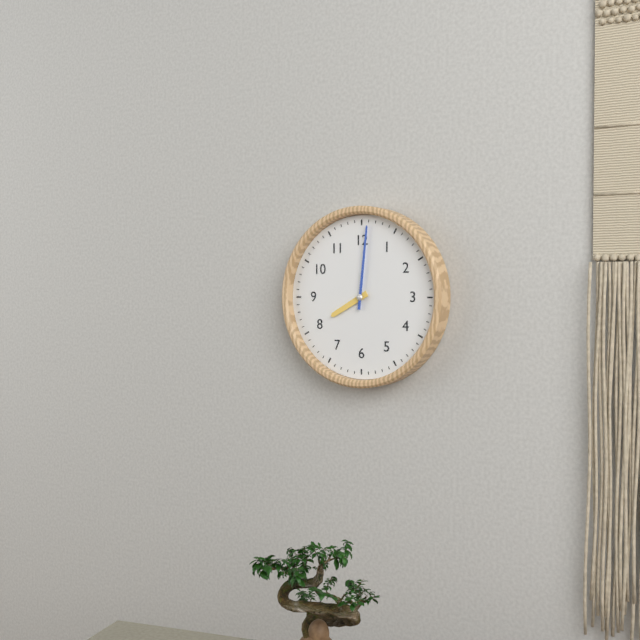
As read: 8h01
